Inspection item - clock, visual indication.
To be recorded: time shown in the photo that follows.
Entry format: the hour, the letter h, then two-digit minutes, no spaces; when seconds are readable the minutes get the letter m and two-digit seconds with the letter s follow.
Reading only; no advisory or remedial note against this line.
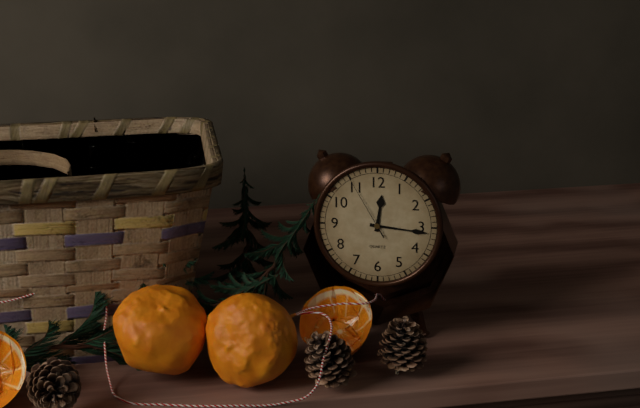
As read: 12h16m55s
